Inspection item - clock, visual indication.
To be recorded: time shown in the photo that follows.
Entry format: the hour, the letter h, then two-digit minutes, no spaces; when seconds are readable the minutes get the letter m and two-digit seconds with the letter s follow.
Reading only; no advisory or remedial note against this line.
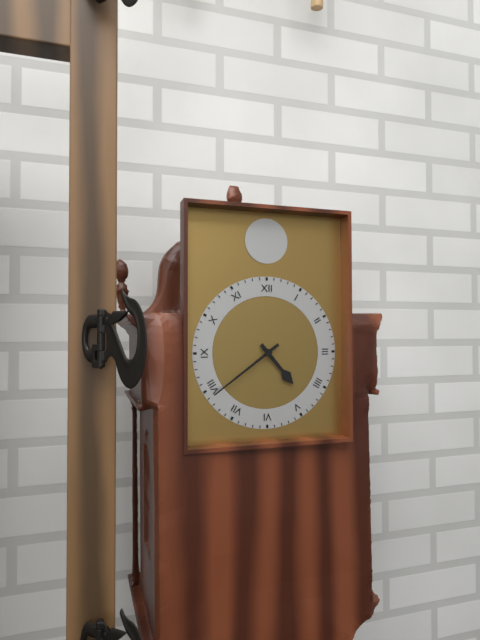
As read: 4h39
